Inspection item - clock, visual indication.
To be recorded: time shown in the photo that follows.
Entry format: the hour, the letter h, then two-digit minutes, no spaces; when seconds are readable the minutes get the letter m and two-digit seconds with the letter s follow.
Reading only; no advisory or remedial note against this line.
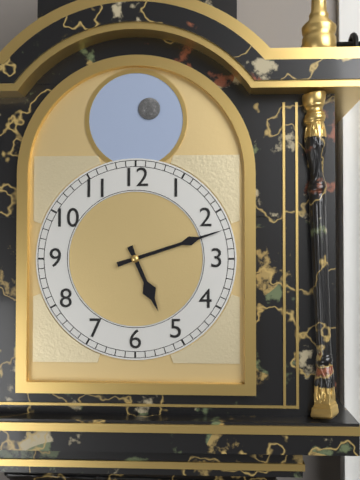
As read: 5h12
